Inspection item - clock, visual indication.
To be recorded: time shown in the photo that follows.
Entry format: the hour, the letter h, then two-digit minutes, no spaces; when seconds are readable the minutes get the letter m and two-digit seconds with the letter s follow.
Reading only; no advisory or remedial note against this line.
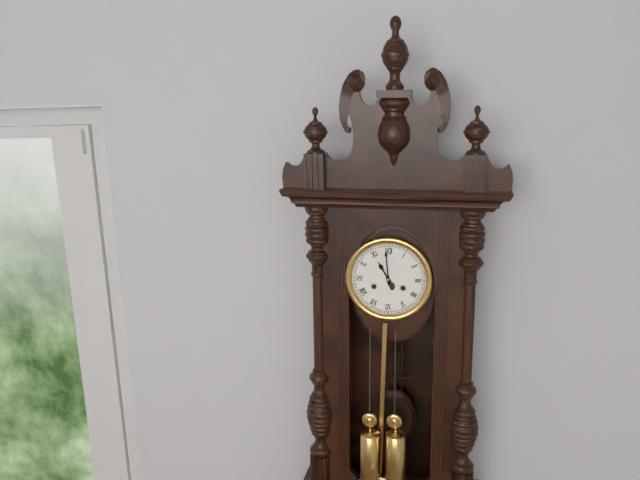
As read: 10h59
